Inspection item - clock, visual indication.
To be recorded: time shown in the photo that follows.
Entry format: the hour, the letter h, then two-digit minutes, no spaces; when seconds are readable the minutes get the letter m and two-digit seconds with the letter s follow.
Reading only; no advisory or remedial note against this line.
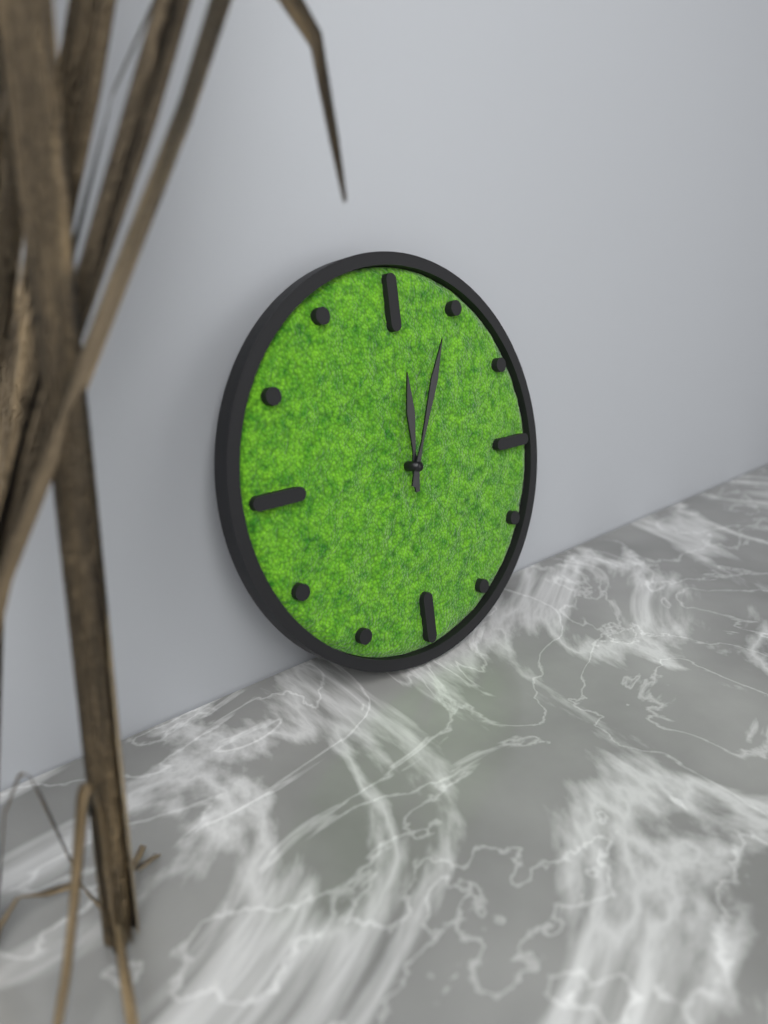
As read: 12h04
